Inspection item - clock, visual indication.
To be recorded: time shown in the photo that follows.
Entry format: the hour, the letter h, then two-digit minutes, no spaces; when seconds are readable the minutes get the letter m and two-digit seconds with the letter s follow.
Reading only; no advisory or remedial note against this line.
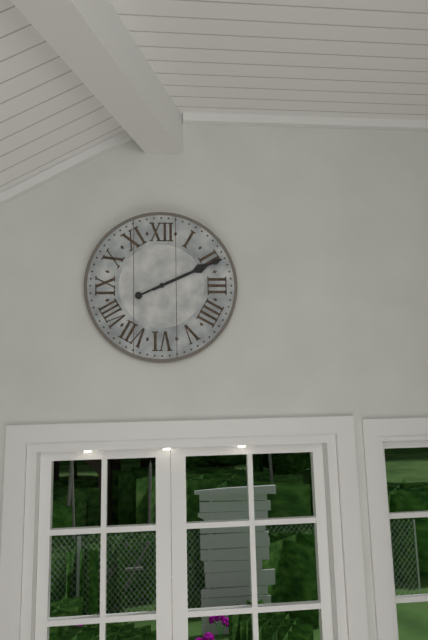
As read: 2h11
